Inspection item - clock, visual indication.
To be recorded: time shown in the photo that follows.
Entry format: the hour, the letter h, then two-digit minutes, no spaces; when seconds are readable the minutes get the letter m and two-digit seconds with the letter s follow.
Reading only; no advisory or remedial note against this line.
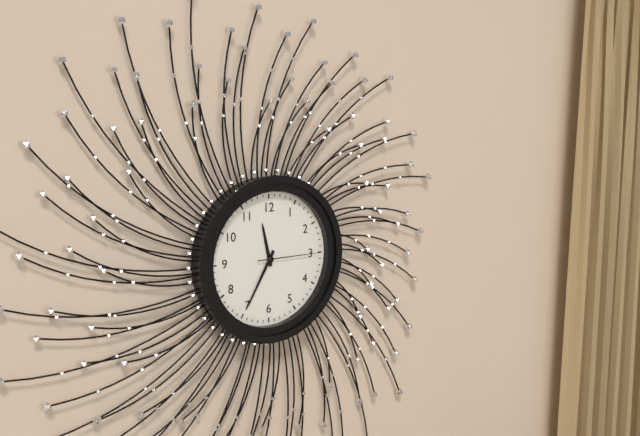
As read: 11h35m15s
